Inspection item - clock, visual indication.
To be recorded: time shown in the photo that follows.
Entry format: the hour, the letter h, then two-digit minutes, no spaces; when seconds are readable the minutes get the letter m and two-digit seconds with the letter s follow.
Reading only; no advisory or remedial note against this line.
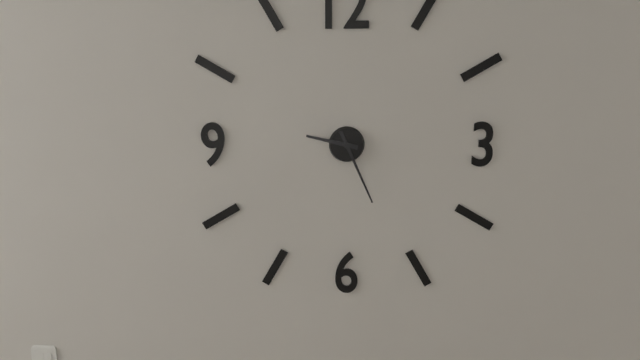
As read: 9h26
